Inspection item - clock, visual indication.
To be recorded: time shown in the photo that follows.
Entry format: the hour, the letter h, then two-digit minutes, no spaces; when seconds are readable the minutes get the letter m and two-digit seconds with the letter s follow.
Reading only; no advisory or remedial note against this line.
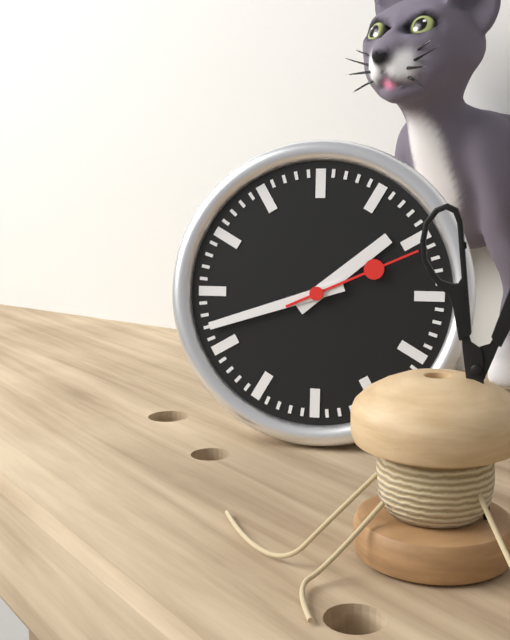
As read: 1h42m11s
